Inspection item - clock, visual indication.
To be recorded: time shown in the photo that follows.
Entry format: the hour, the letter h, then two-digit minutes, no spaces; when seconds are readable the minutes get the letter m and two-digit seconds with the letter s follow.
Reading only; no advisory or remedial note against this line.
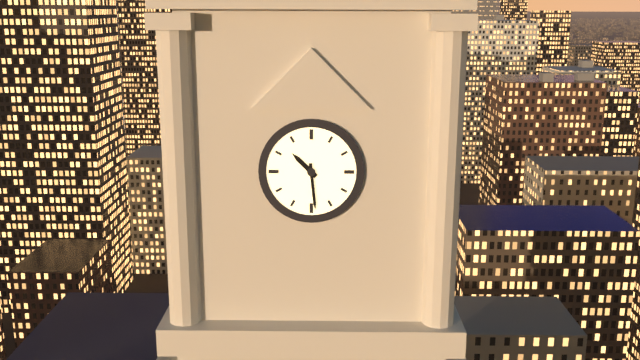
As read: 10h29
